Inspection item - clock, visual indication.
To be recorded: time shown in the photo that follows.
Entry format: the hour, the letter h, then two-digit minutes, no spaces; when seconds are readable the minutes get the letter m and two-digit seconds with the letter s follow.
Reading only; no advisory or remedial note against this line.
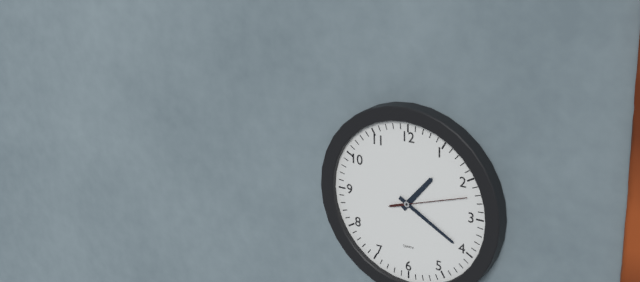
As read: 1h20m12s
